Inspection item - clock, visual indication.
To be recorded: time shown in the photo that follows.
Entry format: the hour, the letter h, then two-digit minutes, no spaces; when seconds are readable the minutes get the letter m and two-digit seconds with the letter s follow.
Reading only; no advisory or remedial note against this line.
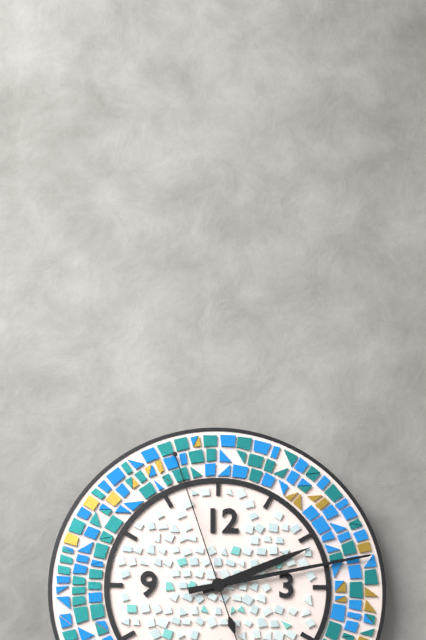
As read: 2h13m57s
